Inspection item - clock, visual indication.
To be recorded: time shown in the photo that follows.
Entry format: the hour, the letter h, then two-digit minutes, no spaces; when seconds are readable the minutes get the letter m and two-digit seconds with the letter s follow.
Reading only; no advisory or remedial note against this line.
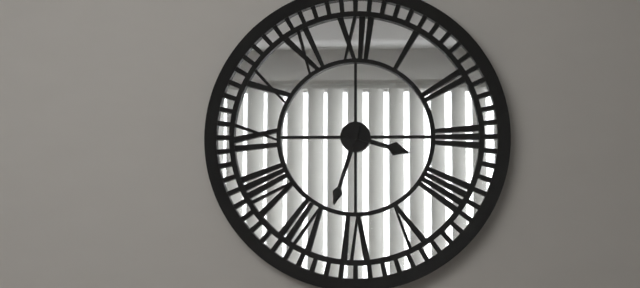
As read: 3h33
